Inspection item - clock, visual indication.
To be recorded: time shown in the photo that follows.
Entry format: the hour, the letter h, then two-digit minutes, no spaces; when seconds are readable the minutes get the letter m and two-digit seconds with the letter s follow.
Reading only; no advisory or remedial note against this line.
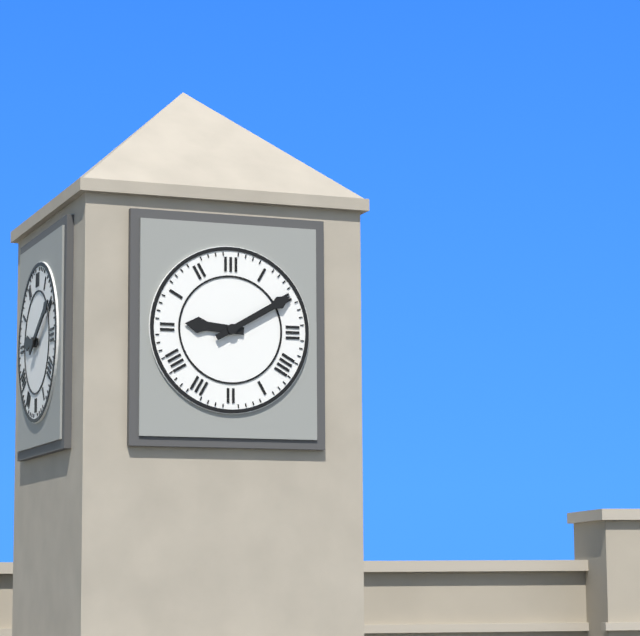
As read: 9h10
